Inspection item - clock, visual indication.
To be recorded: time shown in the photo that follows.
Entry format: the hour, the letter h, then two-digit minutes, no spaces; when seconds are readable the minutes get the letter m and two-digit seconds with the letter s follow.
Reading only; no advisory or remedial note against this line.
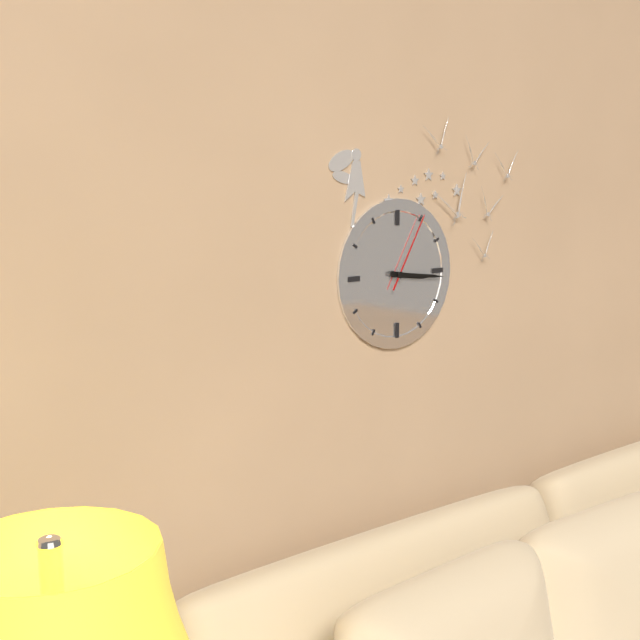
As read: 3h16m05s
